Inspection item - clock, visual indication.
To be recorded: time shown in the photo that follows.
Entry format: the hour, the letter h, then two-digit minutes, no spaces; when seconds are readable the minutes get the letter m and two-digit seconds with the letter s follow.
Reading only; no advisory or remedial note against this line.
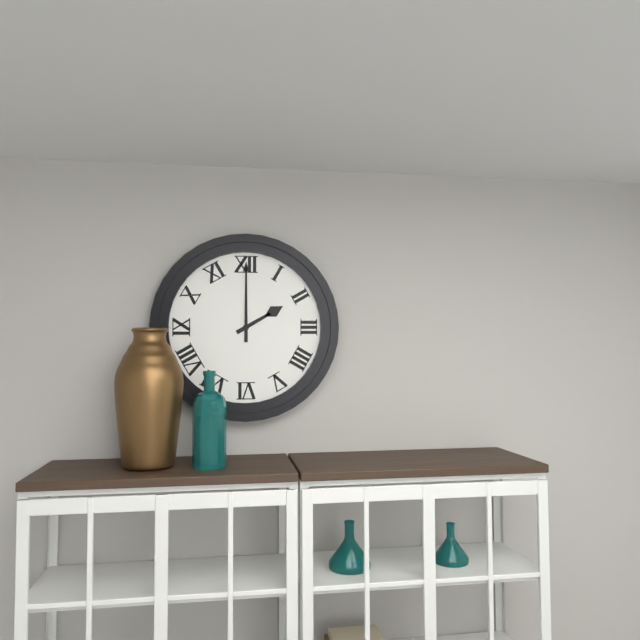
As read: 2h00
